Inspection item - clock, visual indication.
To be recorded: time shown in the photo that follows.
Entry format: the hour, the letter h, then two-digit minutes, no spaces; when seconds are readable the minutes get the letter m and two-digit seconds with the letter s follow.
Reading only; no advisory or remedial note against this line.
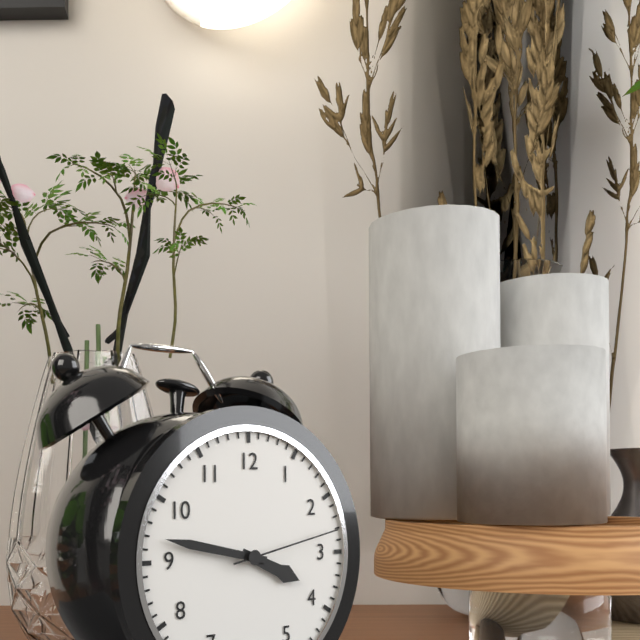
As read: 3h47m13s
